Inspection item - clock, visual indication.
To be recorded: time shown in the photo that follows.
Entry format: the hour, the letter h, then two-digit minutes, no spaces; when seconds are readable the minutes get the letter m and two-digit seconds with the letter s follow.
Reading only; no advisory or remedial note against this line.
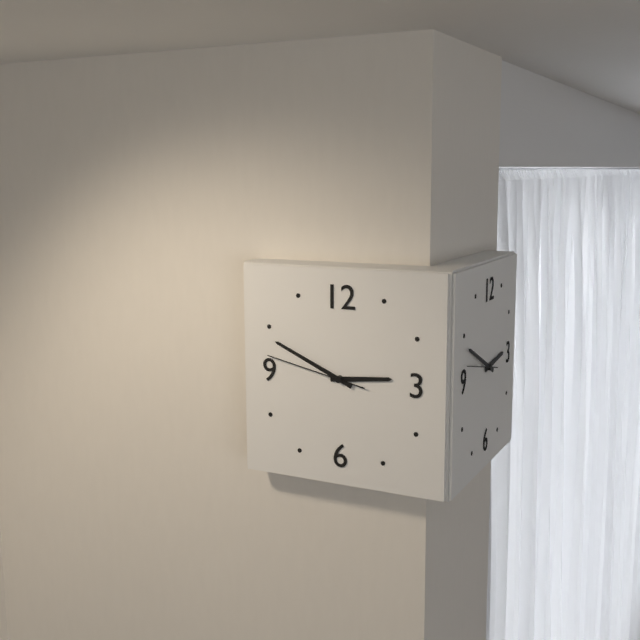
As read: 2h49m47s
